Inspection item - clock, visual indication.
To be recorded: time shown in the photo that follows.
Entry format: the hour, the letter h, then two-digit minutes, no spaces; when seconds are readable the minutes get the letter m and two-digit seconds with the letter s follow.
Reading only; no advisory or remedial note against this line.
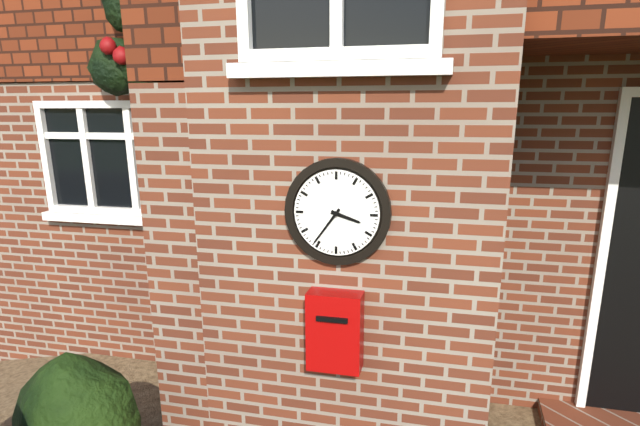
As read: 3h36
